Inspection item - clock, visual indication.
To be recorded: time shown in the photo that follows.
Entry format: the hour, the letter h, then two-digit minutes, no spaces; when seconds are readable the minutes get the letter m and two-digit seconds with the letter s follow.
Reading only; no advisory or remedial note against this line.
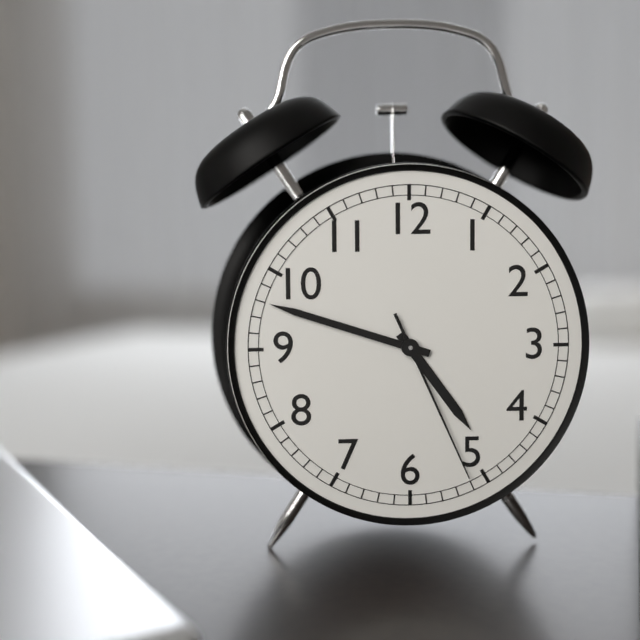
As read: 4h48m26s
